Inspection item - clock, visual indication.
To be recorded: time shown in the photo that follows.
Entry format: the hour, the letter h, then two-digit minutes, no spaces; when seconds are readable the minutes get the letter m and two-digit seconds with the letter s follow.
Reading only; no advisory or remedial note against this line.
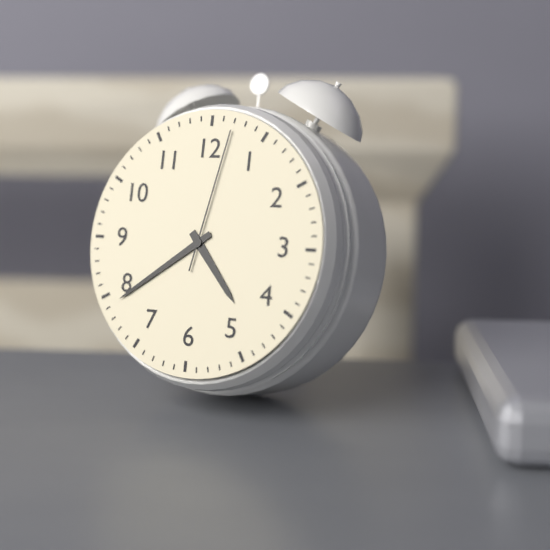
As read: 4h39m02s
